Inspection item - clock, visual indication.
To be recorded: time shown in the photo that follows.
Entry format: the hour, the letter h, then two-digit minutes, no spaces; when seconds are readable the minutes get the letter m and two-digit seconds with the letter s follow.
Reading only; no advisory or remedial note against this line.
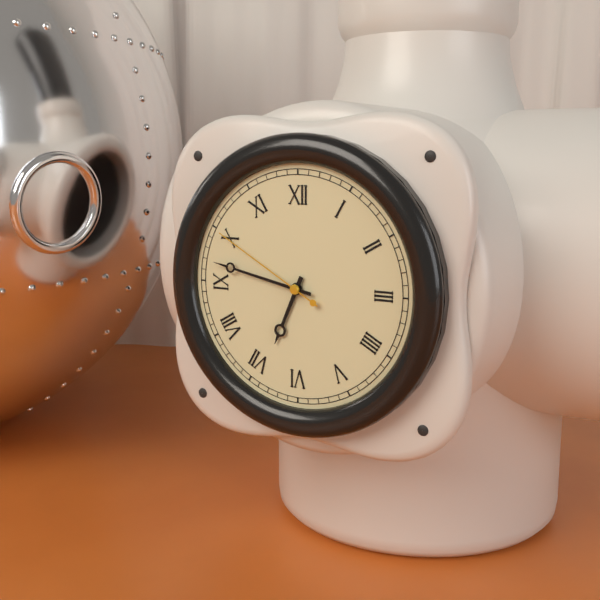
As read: 6h47m50s
